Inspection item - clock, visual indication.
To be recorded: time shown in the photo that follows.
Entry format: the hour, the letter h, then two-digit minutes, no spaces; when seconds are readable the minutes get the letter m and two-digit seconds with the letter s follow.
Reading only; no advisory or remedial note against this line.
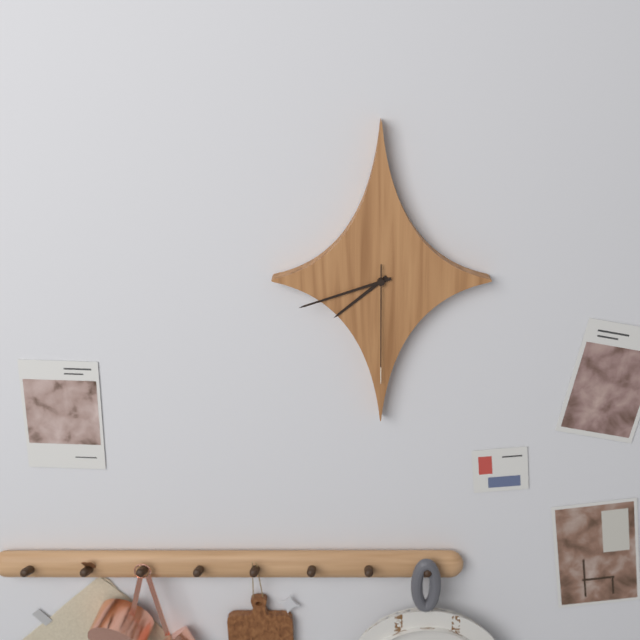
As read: 7h42m30s
